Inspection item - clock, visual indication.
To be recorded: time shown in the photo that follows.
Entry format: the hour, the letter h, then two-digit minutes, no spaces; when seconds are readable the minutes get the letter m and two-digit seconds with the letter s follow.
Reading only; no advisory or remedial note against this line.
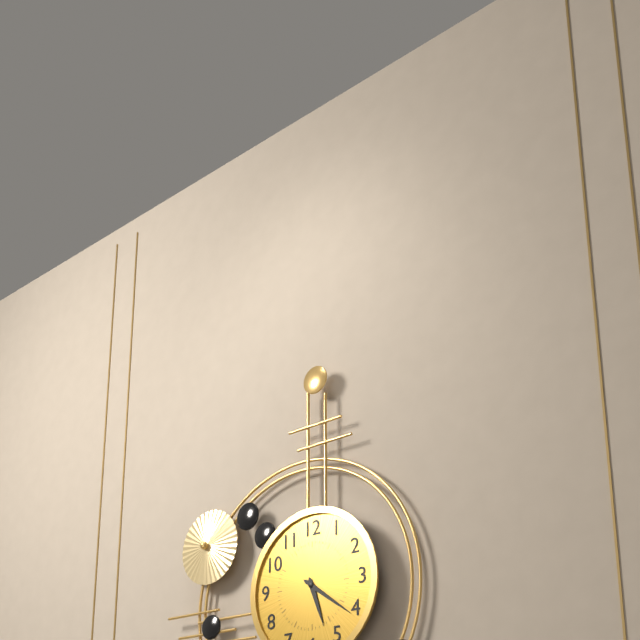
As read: 5h21
